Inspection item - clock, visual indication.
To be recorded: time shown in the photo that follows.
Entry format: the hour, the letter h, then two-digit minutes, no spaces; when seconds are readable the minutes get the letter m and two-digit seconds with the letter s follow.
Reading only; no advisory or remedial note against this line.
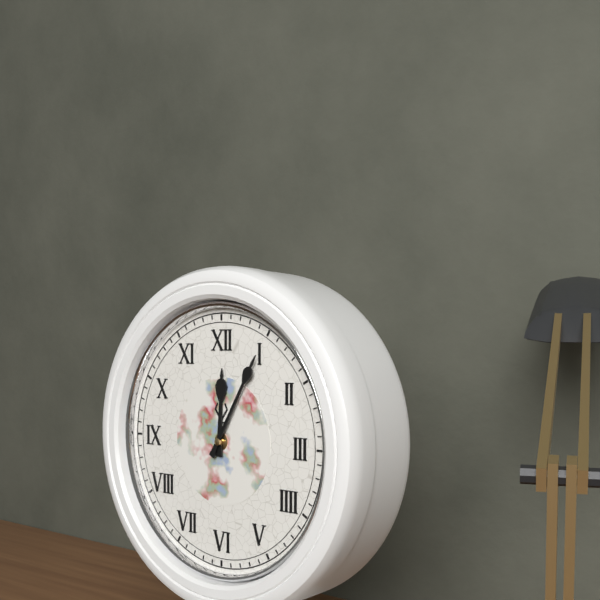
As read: 12h05
